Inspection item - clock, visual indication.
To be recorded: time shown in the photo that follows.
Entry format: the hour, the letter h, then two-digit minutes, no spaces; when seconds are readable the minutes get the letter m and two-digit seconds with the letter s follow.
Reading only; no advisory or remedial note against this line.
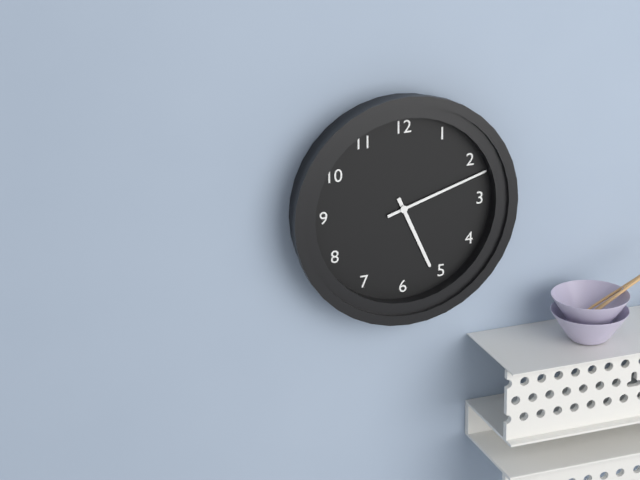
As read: 5h12
